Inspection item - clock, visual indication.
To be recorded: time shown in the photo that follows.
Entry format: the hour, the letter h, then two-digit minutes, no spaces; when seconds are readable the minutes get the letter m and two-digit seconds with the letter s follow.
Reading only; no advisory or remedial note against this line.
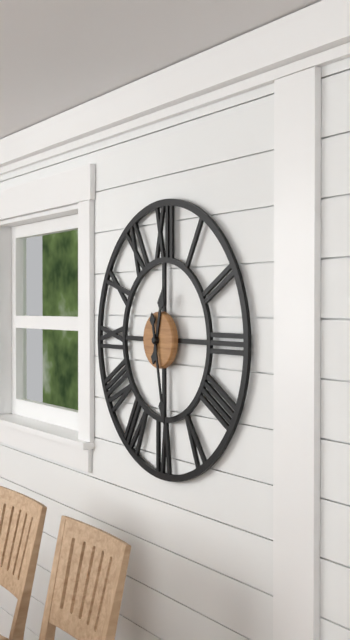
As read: 12h28
